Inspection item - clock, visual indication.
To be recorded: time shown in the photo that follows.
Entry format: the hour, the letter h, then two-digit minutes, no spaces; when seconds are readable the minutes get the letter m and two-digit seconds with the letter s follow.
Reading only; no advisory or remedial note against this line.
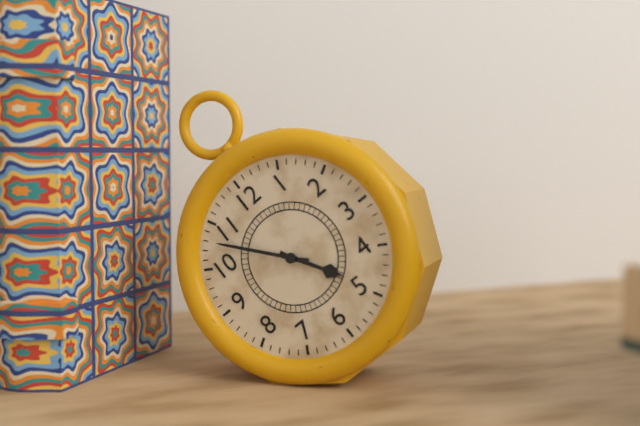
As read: 4h53
